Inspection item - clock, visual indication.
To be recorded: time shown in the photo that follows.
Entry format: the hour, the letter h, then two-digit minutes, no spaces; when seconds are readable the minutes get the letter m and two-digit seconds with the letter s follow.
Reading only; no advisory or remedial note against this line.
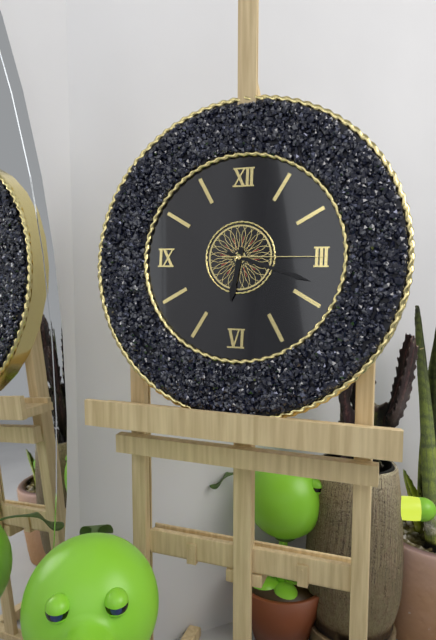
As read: 6h18m15s
